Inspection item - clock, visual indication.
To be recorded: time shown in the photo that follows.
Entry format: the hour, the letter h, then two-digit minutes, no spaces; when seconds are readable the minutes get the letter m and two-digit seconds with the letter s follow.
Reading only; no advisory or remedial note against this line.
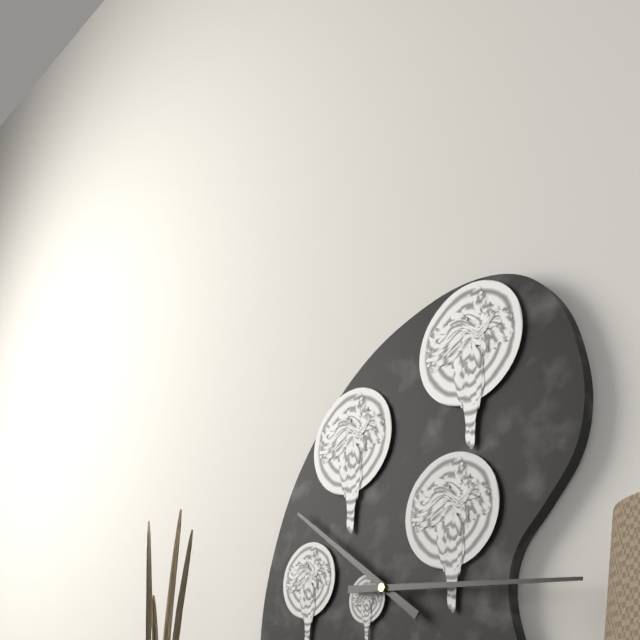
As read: 10h16
